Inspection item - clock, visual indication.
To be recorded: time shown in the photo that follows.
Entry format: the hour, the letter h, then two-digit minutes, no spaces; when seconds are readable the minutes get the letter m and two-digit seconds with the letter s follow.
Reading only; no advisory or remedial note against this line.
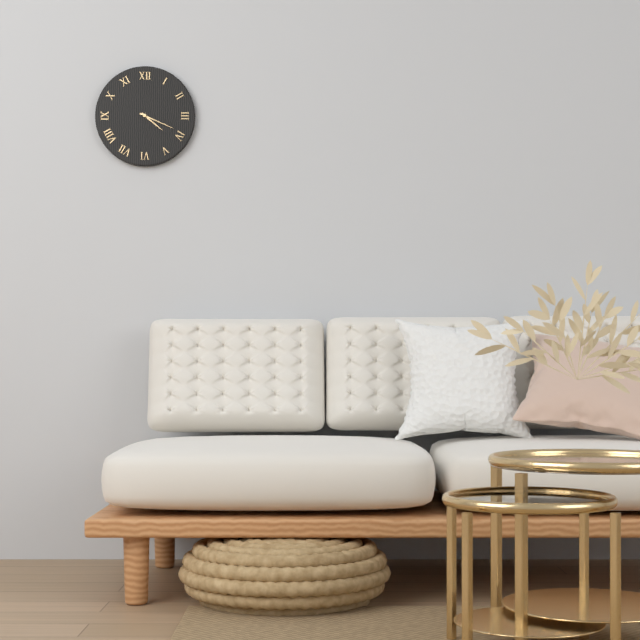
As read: 4h19
